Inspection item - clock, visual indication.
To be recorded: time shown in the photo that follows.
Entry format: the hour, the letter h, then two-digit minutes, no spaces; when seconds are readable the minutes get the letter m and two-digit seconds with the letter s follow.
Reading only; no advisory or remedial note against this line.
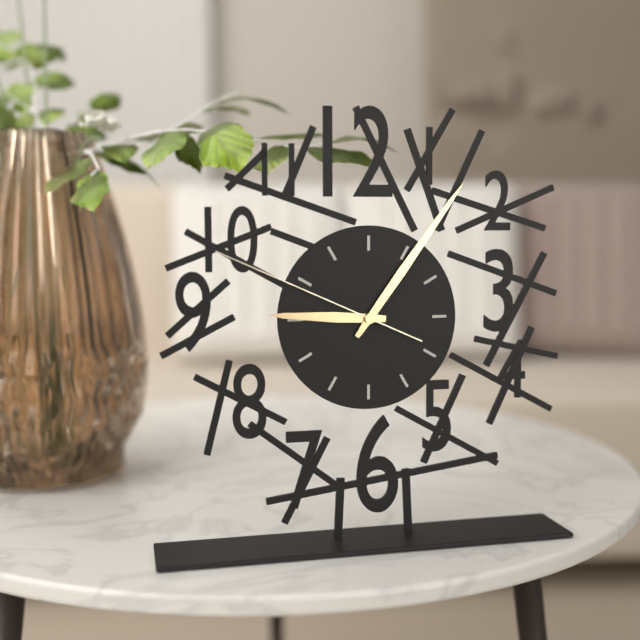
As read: 9h06m49s
